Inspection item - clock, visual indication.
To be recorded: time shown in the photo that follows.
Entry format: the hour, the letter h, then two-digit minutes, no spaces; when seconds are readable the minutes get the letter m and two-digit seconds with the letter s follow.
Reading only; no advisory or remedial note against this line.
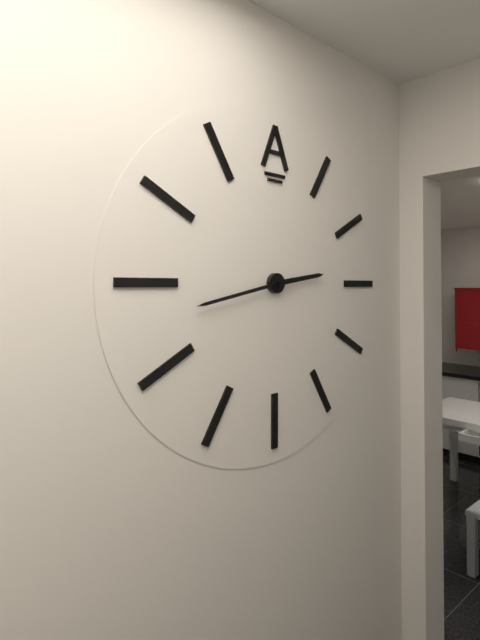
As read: 2h43
